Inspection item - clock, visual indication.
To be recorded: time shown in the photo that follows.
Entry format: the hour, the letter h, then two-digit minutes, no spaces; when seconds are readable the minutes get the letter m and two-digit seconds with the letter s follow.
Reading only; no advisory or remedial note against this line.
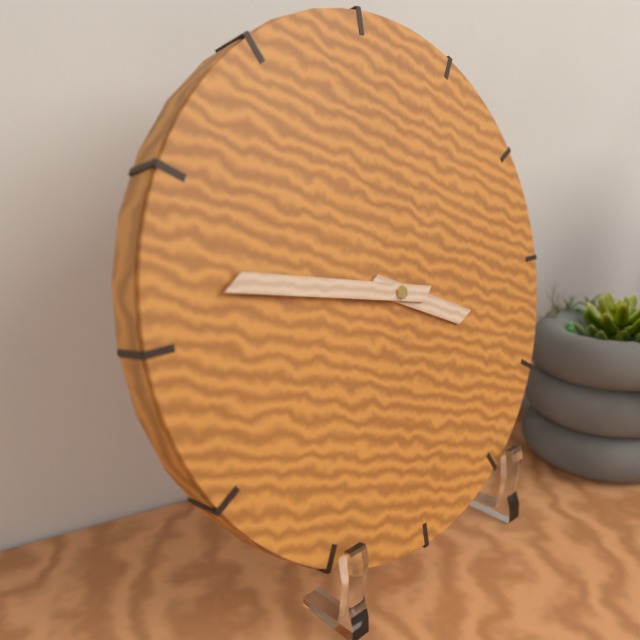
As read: 3h47
